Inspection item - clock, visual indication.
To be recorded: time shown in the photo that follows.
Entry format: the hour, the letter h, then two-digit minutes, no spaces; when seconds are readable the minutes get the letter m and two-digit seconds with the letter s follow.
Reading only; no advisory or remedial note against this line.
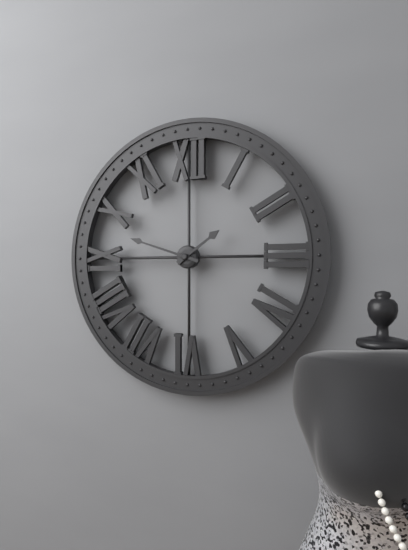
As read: 1h48
